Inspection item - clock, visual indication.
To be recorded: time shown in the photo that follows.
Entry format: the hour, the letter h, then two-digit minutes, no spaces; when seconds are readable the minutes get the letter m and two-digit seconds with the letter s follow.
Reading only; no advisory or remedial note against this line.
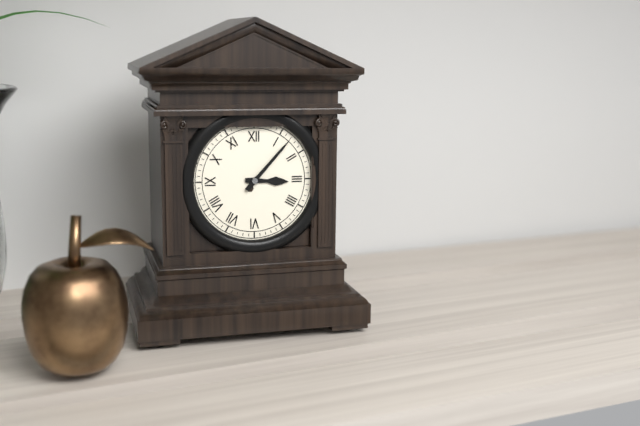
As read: 3h07
